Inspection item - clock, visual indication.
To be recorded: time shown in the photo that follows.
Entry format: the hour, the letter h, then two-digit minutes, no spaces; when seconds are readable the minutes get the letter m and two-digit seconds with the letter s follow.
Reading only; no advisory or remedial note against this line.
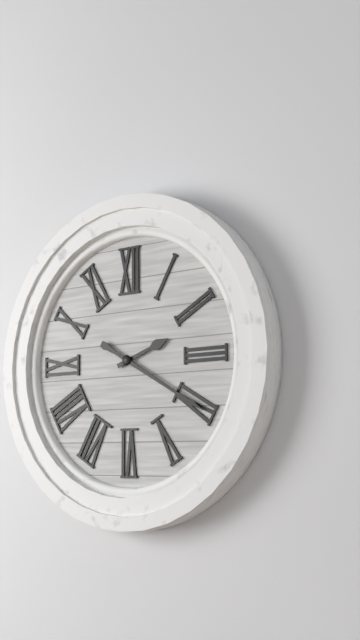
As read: 2h20
